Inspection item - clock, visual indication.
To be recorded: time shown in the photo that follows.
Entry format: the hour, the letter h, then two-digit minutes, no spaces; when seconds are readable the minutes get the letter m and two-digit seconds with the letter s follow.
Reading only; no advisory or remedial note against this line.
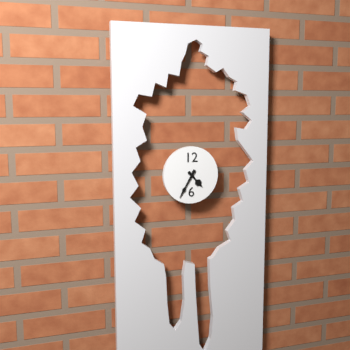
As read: 4h35
